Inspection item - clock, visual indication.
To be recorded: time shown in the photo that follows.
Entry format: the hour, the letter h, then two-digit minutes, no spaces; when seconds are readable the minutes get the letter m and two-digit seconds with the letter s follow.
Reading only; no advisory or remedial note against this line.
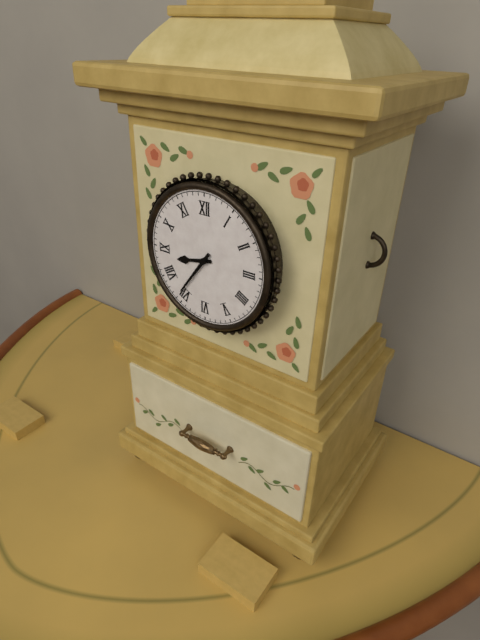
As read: 8h36
